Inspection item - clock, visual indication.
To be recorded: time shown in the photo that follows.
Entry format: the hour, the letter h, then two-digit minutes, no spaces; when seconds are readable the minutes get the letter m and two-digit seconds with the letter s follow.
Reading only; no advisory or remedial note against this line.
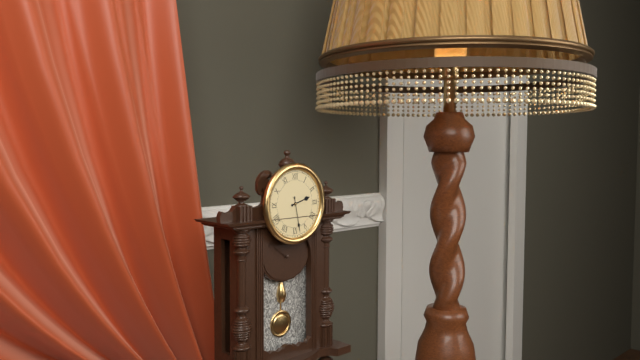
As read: 2h28
